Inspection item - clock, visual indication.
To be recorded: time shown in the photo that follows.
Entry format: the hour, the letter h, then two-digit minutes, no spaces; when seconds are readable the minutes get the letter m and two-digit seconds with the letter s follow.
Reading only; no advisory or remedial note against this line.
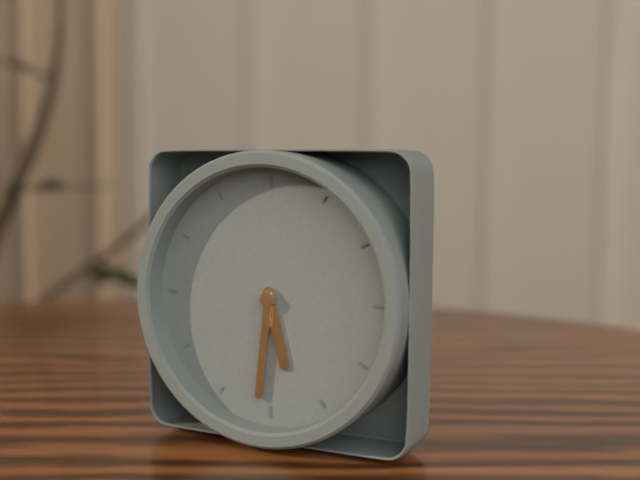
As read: 5h31
